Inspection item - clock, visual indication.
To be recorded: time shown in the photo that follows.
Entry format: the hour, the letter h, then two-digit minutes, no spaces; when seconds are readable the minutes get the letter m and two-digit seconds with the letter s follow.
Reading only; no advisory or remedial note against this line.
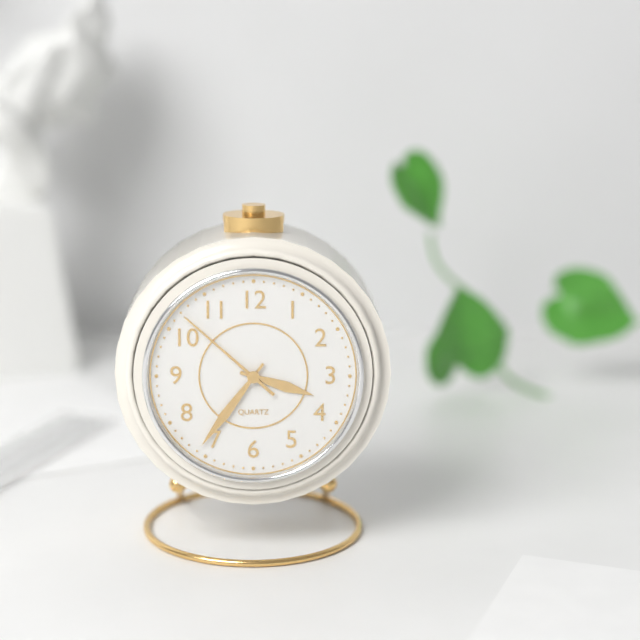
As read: 3h36m52s
